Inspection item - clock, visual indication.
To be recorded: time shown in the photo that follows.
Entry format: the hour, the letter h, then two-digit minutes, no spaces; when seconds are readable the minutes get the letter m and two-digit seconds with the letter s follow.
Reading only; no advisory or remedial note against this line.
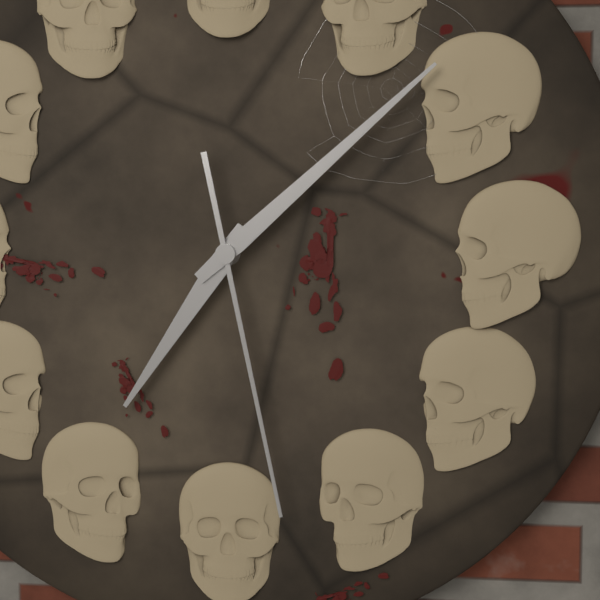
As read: 7h08m28s
